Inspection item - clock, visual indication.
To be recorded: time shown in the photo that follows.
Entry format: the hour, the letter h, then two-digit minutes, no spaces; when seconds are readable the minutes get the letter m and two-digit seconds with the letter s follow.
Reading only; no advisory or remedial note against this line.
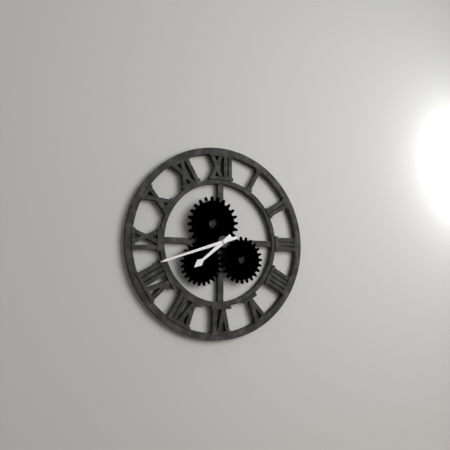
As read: 7h42
